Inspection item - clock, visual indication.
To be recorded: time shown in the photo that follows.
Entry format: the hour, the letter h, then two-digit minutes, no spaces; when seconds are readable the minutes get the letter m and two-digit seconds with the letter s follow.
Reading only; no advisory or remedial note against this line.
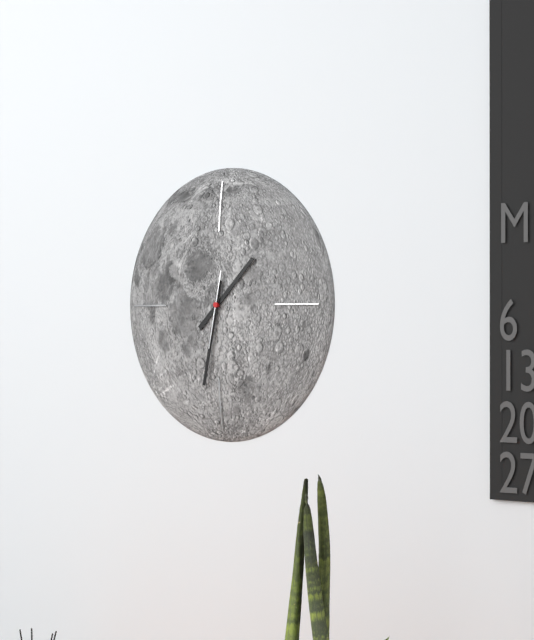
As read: 1h32m32s
